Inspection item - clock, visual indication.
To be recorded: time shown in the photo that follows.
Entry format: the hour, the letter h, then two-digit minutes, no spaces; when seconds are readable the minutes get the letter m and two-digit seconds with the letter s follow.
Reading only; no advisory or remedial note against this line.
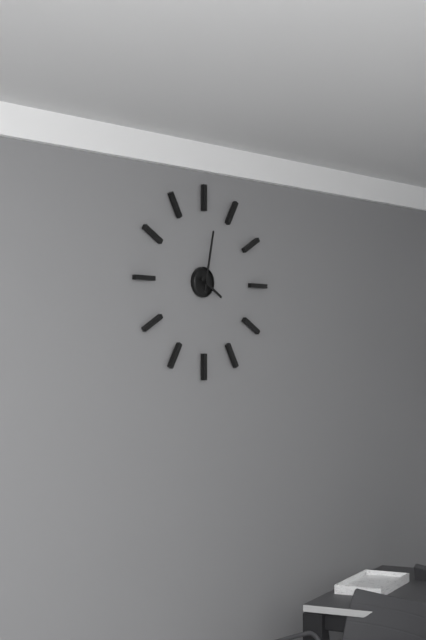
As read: 4h02
